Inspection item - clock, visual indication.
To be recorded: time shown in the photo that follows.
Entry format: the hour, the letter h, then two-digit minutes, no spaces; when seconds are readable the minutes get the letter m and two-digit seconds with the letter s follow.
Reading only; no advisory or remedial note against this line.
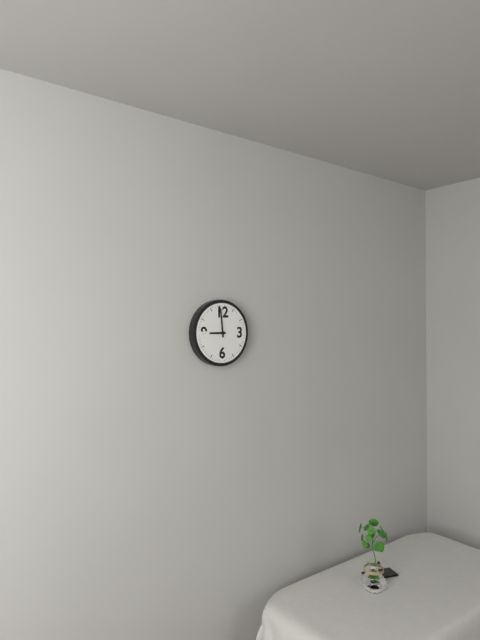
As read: 8h59
